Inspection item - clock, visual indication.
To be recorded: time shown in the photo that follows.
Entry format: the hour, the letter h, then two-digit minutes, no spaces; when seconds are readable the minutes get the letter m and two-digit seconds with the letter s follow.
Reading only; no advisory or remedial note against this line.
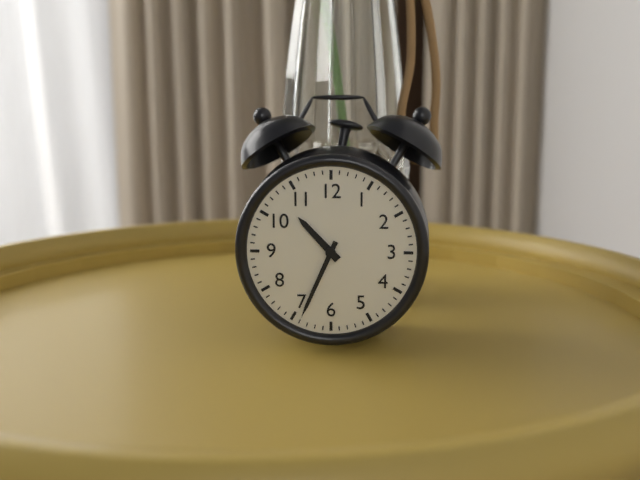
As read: 10h34
